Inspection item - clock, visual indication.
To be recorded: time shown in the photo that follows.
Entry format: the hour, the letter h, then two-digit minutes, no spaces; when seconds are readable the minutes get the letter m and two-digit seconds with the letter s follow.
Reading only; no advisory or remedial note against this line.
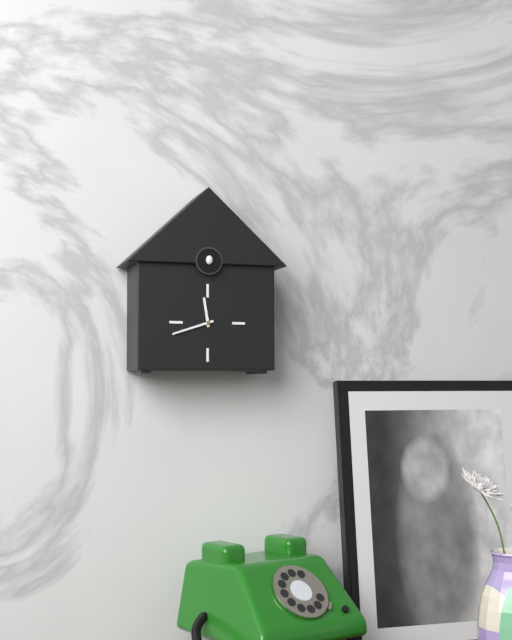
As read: 11h42
